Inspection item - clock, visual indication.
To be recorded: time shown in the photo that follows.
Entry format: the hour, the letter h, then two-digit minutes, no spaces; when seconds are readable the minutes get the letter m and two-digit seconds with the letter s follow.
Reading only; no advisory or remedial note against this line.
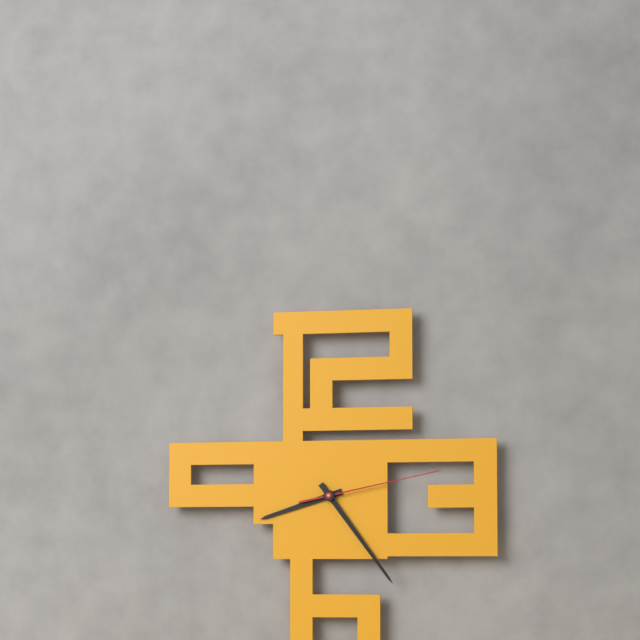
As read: 8h24m13s
